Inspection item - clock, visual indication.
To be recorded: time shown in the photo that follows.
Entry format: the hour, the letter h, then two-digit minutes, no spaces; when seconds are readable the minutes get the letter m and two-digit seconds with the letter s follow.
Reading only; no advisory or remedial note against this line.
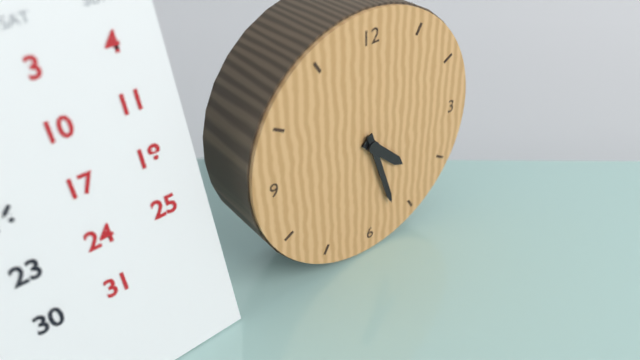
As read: 4h27
